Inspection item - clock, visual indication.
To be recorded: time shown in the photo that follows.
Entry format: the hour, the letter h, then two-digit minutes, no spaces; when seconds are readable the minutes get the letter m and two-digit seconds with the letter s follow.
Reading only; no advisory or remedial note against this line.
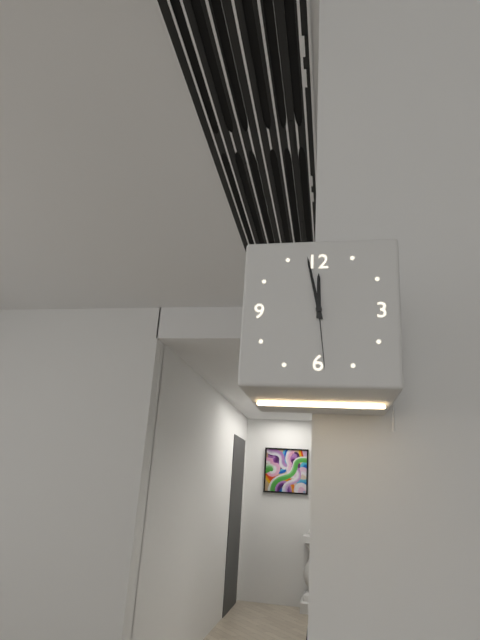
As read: 11h58m29s
